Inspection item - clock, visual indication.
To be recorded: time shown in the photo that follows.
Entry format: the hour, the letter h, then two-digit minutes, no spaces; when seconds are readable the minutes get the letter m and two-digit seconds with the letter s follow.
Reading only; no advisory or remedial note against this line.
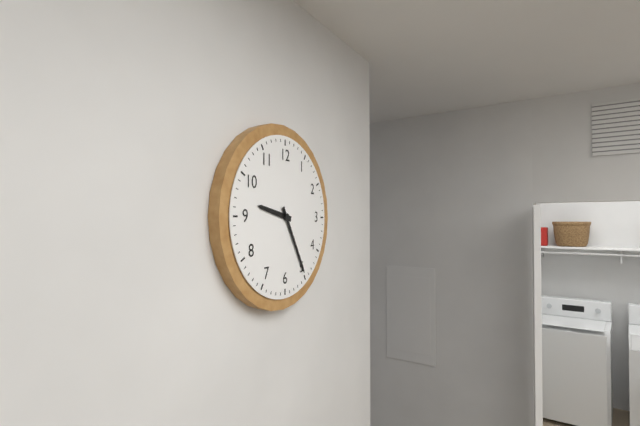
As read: 9h25
